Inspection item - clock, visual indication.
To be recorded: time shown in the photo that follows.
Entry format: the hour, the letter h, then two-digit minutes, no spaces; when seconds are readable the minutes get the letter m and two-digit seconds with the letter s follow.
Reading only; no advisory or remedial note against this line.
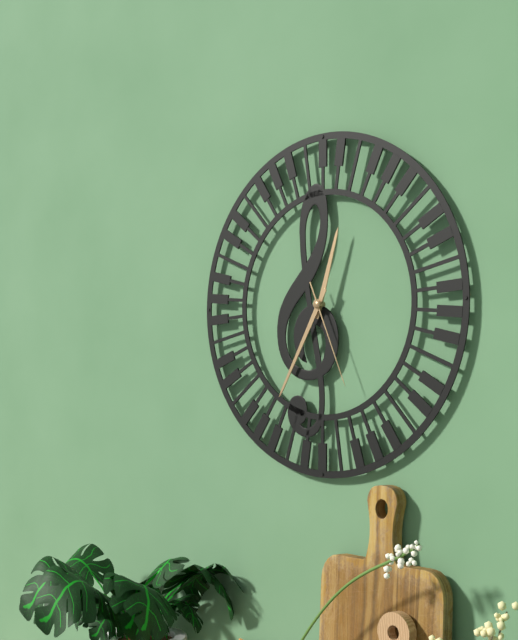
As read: 12h35m26s
